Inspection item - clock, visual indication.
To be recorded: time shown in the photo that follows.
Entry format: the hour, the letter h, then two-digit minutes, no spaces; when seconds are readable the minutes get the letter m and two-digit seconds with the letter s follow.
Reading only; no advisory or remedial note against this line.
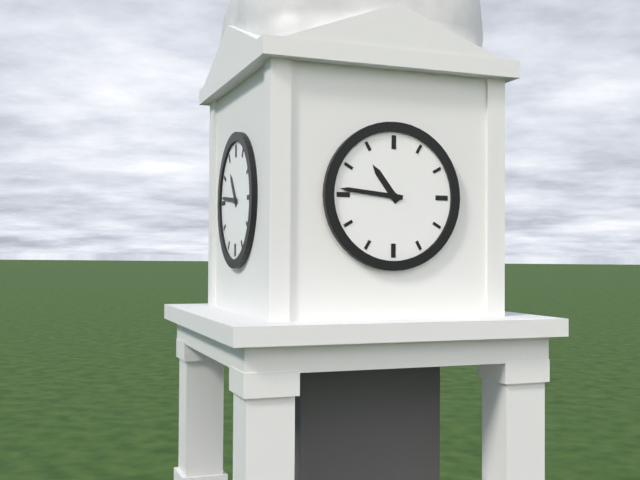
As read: 10h46
